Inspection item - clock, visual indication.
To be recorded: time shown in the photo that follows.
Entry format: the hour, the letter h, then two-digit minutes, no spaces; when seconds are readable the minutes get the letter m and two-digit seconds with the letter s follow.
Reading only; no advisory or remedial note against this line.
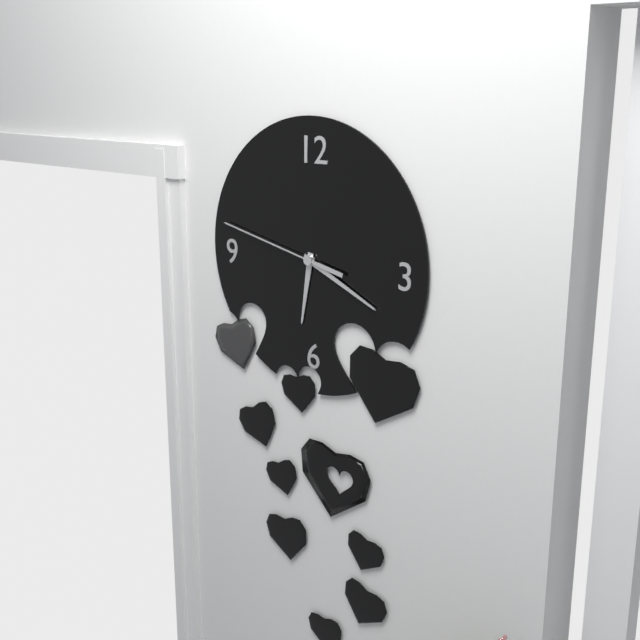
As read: 6h19m47s
